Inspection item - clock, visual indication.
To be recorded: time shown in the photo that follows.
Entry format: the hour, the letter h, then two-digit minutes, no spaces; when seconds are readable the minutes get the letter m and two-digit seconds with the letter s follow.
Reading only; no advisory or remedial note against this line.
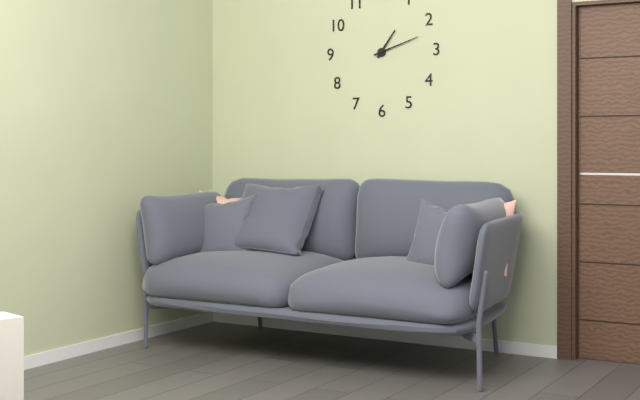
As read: 1h12
